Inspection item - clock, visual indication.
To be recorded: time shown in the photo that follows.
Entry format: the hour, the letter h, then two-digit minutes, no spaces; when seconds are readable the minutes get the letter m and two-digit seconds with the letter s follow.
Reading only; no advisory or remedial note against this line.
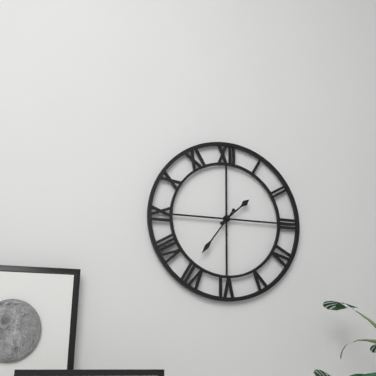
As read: 1h36
